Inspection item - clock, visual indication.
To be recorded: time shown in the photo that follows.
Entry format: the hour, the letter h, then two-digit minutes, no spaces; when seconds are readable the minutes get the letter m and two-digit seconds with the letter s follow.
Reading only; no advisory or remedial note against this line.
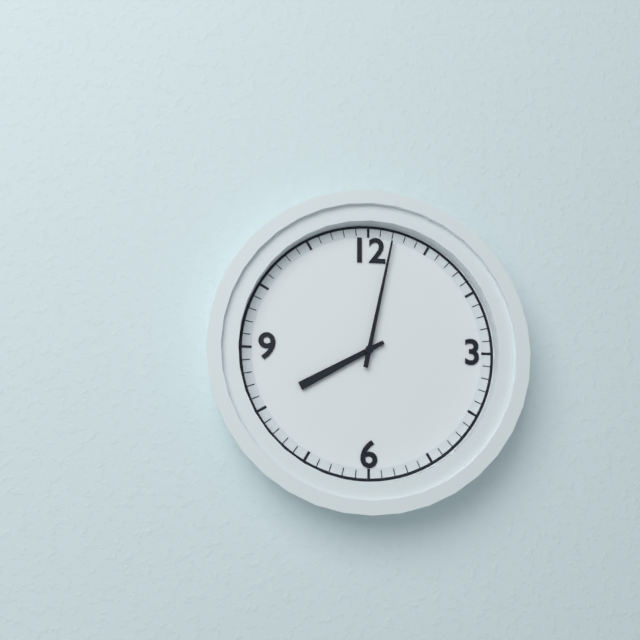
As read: 8h02
